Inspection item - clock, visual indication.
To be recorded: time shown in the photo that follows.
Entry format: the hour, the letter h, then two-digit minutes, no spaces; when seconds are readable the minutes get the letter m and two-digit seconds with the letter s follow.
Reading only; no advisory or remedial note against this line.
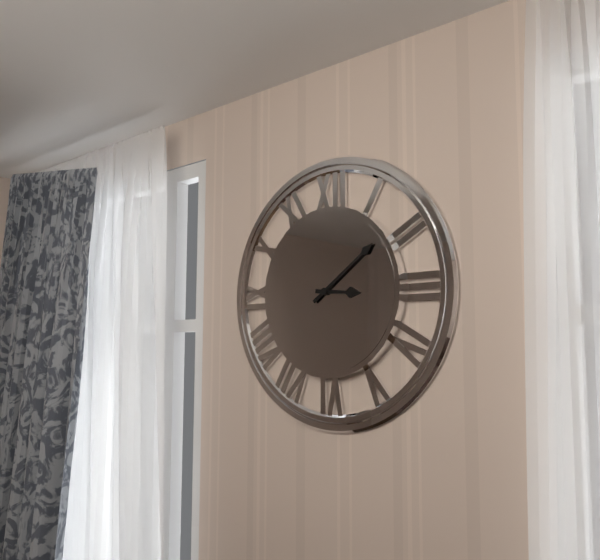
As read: 3h09
